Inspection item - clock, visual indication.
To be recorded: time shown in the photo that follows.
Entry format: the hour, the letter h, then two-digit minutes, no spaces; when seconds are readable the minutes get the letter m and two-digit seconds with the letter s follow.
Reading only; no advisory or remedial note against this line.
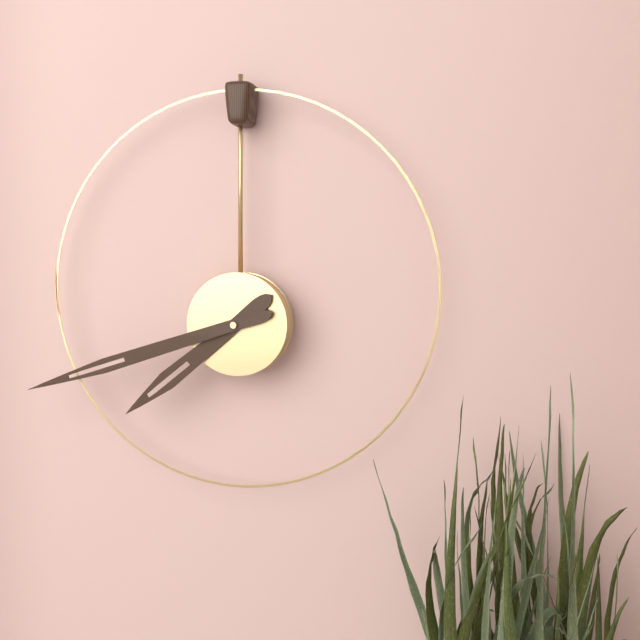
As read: 7h42
